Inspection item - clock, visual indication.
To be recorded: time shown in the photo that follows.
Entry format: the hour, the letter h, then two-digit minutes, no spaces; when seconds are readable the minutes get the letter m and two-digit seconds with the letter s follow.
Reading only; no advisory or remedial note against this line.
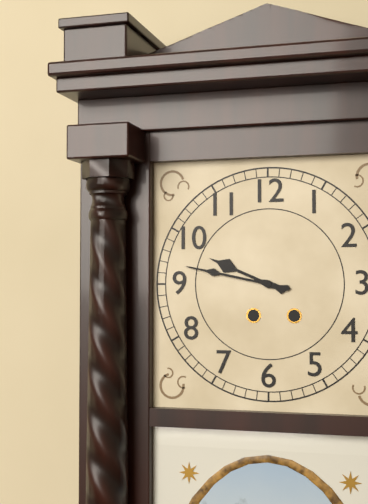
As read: 9h47
